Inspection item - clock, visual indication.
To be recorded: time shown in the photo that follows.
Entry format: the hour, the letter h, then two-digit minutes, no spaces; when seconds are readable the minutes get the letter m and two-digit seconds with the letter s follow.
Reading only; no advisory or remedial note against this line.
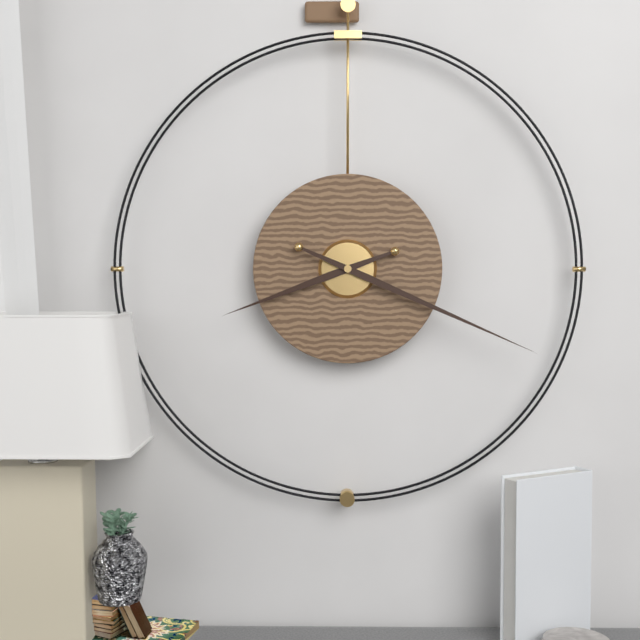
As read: 8h19
